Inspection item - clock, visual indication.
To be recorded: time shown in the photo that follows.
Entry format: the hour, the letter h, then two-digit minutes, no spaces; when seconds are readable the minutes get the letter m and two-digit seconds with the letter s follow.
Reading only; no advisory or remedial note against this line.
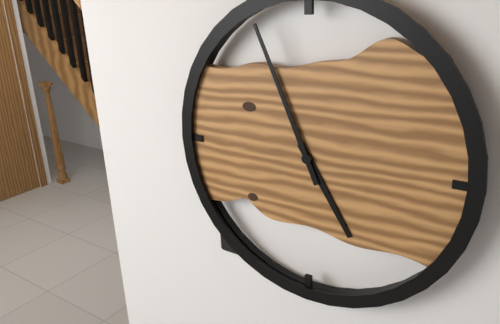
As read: 4h56
